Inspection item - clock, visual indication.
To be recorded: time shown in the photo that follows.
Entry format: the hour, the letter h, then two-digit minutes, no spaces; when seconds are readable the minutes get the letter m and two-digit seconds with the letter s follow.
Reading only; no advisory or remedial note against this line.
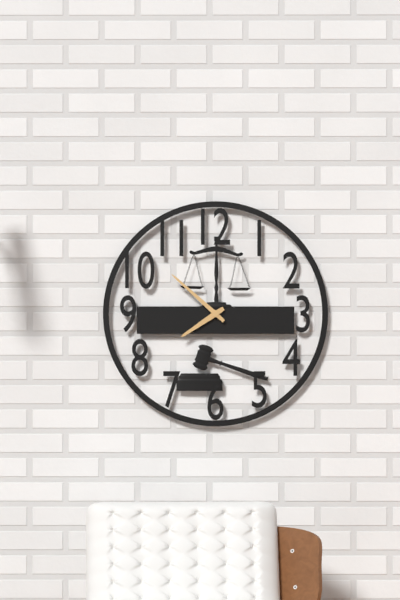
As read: 7h52
